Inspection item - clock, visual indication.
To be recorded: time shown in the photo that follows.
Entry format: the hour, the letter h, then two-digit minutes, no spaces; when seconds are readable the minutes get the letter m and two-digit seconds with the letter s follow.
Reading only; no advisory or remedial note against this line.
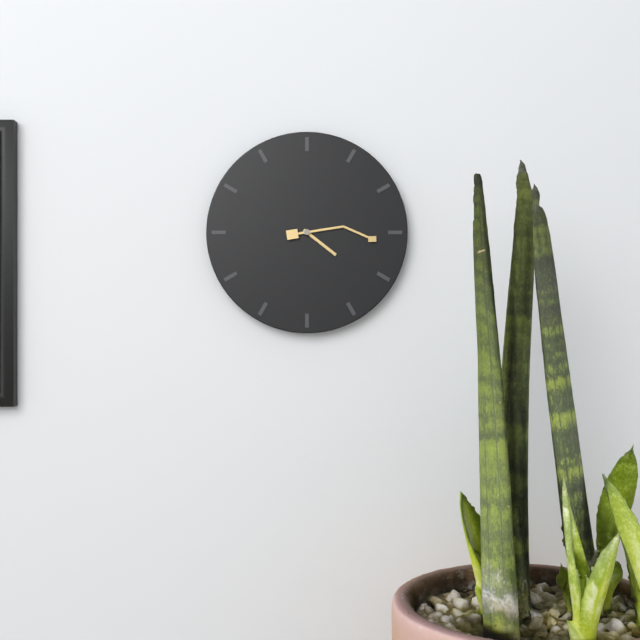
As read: 4h16
